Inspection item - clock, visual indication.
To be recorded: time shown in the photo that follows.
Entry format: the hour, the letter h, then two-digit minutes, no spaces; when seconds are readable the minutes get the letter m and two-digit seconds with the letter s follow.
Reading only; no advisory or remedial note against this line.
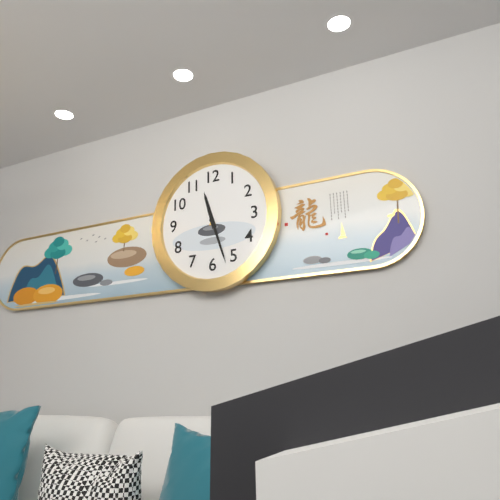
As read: 11h27
